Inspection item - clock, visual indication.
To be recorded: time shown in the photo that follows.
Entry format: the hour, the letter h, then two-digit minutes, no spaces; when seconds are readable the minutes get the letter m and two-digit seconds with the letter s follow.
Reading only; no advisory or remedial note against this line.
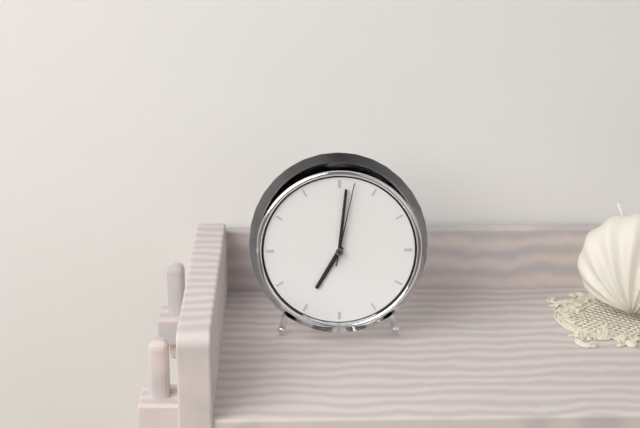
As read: 7h01m02s
